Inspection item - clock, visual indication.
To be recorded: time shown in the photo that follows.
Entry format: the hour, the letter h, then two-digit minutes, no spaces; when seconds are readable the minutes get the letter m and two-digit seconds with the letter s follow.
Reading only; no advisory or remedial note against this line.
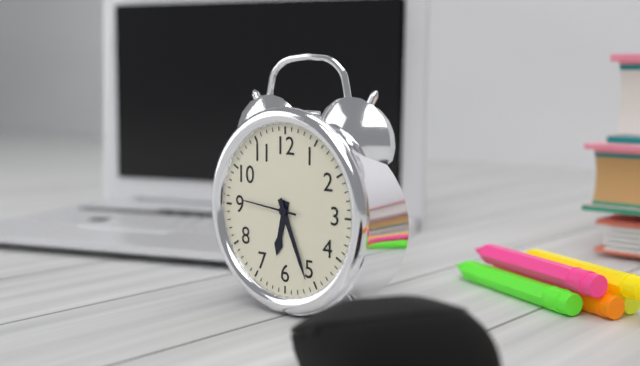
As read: 6h26m46s
